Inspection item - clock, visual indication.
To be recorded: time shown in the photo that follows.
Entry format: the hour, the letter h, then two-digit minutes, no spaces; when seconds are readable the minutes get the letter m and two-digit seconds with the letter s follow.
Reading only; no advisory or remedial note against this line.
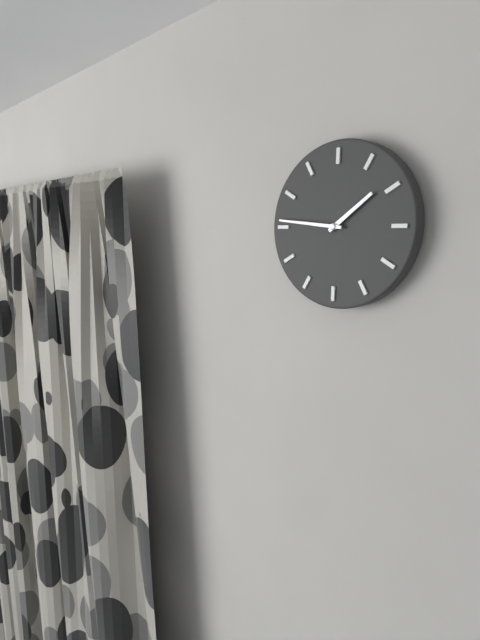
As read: 1h46
